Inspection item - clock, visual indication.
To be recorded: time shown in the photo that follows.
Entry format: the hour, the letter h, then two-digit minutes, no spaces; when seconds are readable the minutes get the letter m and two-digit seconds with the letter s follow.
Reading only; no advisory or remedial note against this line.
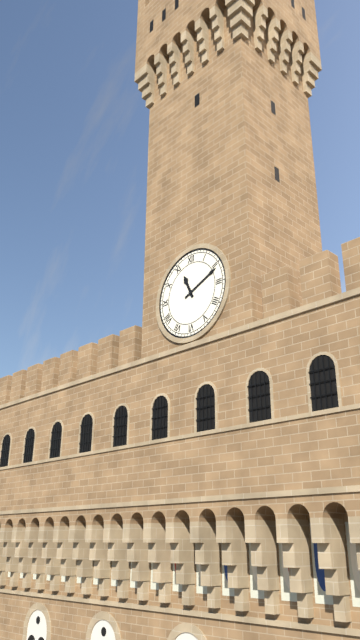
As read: 11h11
